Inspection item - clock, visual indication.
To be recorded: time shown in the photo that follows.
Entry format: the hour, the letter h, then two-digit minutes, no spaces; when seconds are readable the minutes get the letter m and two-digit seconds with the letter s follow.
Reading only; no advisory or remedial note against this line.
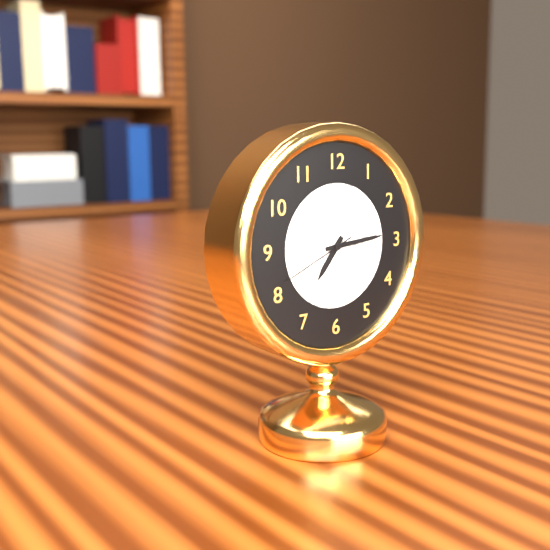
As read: 7h14m41s
